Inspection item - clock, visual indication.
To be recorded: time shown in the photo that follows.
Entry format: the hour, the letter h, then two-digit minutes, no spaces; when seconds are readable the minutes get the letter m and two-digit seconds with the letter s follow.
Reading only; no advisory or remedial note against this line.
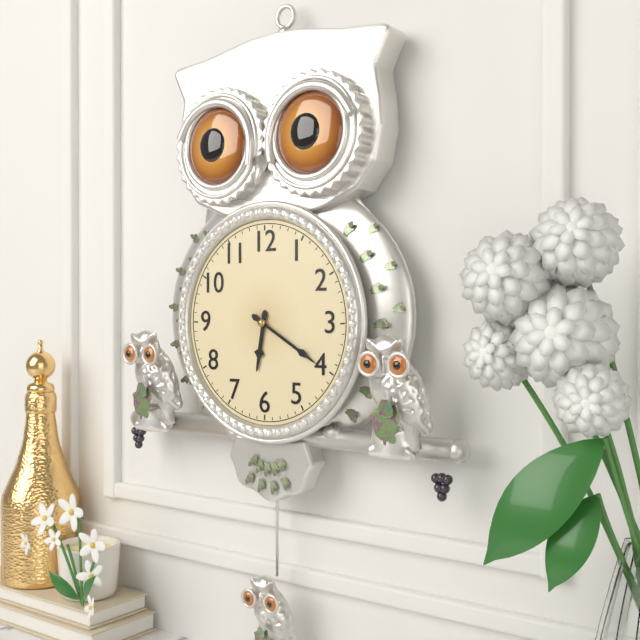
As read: 6h20
